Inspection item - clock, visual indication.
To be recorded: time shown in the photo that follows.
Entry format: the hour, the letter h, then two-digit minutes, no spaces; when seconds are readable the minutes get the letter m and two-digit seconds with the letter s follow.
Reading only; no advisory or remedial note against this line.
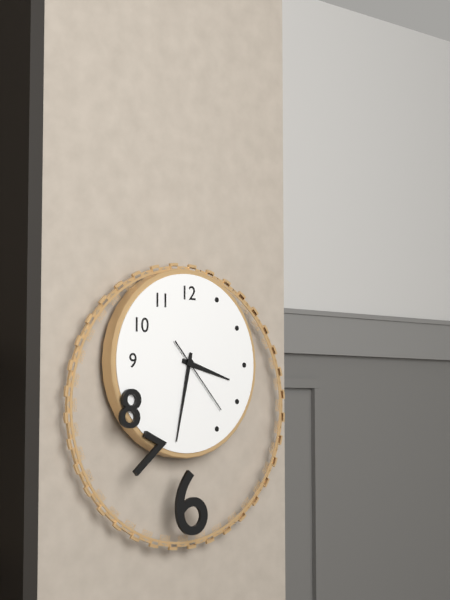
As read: 3h32m23s
